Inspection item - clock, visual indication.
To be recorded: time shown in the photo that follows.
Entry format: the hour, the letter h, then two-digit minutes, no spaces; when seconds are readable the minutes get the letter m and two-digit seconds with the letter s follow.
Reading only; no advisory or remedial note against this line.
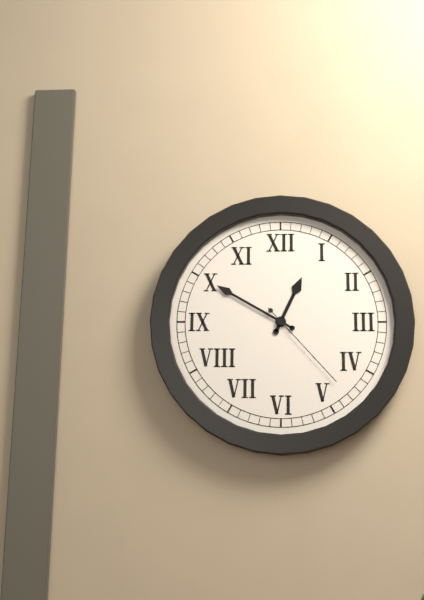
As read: 12h50m23s
